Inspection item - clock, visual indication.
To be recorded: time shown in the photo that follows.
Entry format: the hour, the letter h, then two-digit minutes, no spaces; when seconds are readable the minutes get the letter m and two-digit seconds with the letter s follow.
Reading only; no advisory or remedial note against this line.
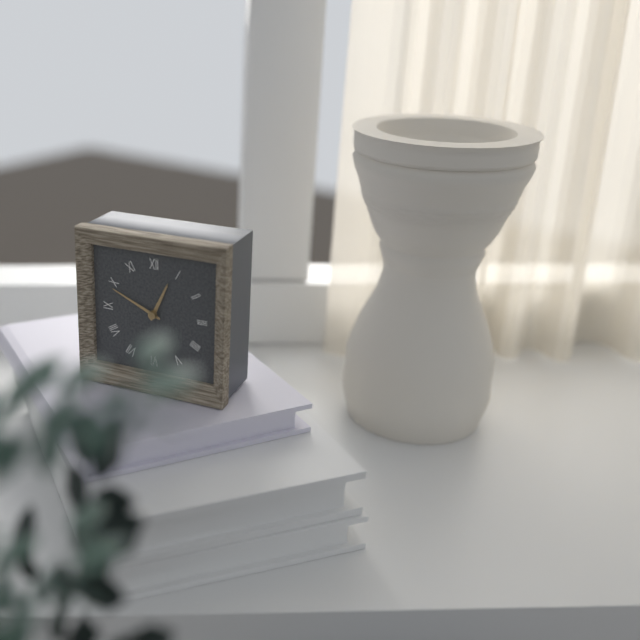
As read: 12h49
